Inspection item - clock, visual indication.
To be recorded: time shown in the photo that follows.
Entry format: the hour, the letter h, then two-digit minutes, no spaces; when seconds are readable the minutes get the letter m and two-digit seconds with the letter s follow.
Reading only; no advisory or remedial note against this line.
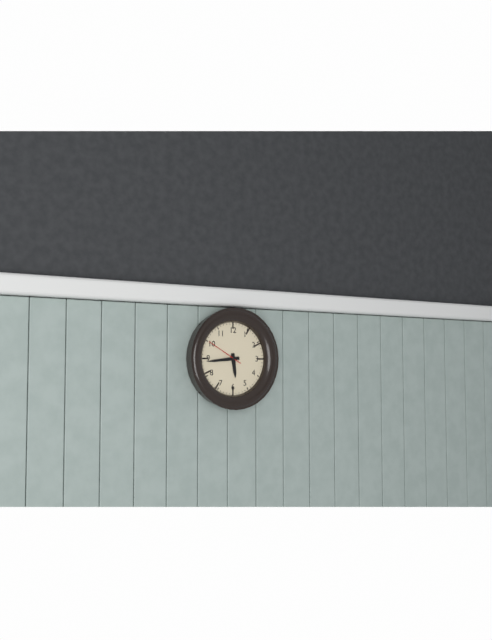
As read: 5h44
